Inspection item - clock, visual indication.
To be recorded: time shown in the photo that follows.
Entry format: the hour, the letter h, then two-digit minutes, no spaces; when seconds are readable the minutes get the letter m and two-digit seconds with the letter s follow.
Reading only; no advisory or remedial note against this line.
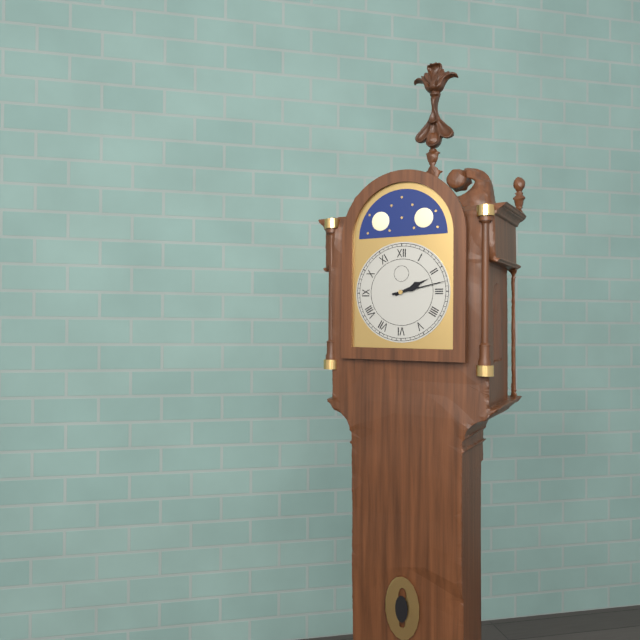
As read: 2h13
